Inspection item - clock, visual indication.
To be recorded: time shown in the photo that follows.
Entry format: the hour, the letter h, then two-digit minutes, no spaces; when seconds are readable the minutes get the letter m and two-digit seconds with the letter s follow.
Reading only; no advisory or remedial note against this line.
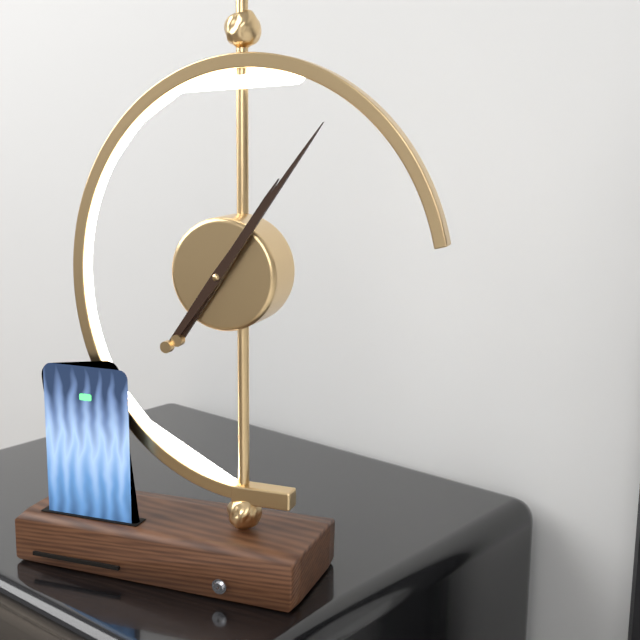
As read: 1h06
